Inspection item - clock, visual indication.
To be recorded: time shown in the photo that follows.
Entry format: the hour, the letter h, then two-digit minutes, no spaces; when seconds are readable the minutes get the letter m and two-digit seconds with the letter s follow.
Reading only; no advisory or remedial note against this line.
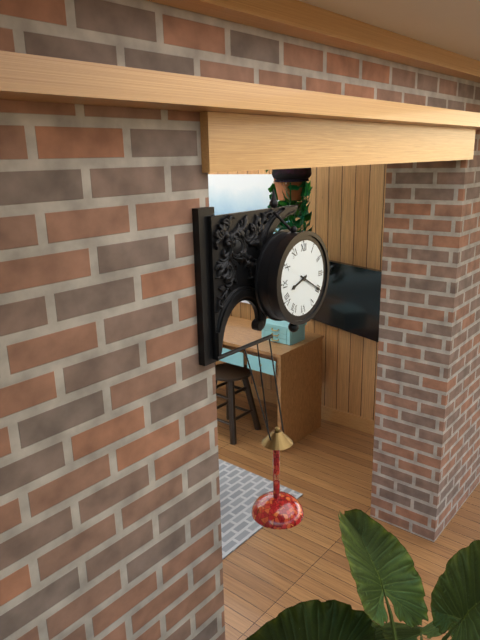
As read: 8h20
